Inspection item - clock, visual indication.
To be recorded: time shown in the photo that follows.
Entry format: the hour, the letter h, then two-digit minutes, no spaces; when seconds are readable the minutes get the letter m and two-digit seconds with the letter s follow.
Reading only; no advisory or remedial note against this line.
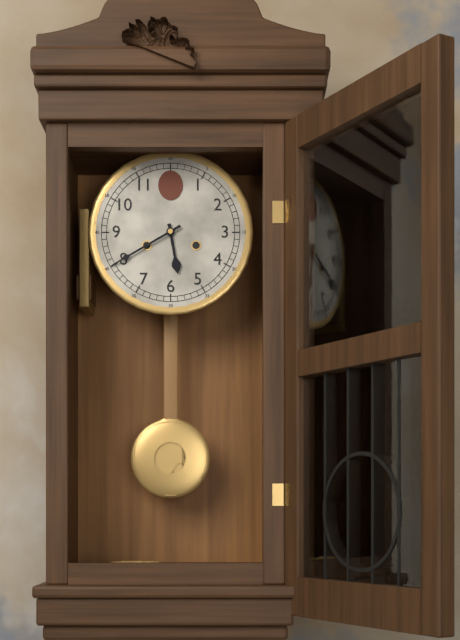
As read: 5h40
